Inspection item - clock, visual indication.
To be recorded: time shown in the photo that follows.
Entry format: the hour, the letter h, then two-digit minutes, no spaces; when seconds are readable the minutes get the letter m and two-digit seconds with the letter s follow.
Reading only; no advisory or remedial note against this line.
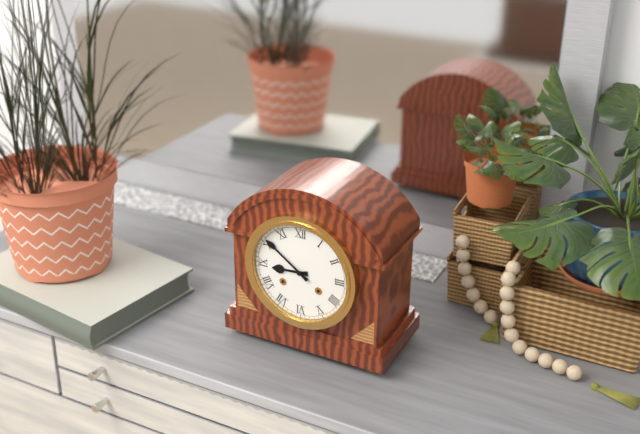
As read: 8h51
